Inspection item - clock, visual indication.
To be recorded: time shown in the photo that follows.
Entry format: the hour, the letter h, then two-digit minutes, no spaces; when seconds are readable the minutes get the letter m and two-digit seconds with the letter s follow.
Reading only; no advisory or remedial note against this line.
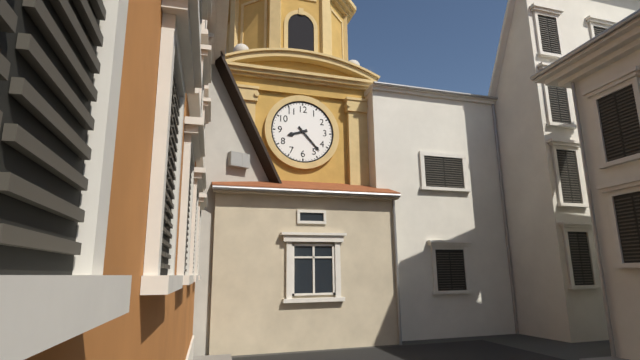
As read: 8h23
